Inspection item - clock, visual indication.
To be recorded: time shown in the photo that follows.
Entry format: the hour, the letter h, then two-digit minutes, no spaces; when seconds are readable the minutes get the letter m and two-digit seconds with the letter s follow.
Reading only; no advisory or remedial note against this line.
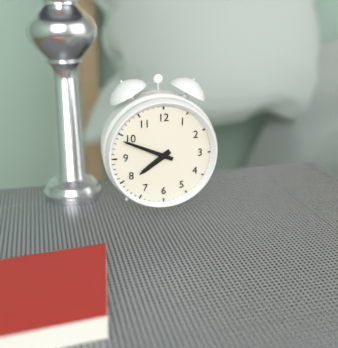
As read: 7h49
